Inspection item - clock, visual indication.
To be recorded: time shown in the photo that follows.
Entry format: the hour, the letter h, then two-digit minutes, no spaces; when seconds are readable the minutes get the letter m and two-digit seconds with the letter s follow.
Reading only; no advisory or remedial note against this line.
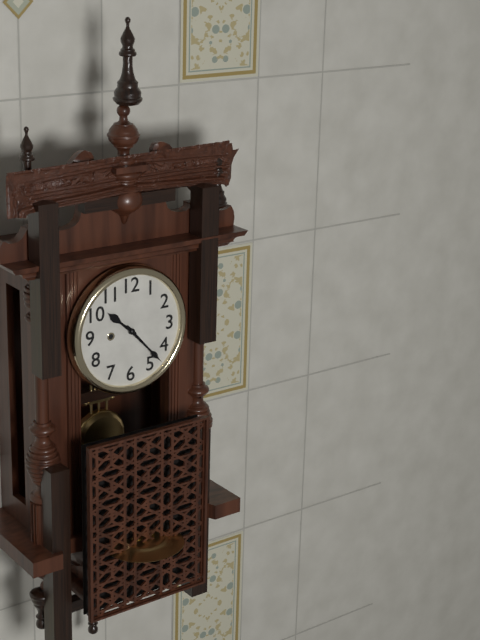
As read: 10h23
